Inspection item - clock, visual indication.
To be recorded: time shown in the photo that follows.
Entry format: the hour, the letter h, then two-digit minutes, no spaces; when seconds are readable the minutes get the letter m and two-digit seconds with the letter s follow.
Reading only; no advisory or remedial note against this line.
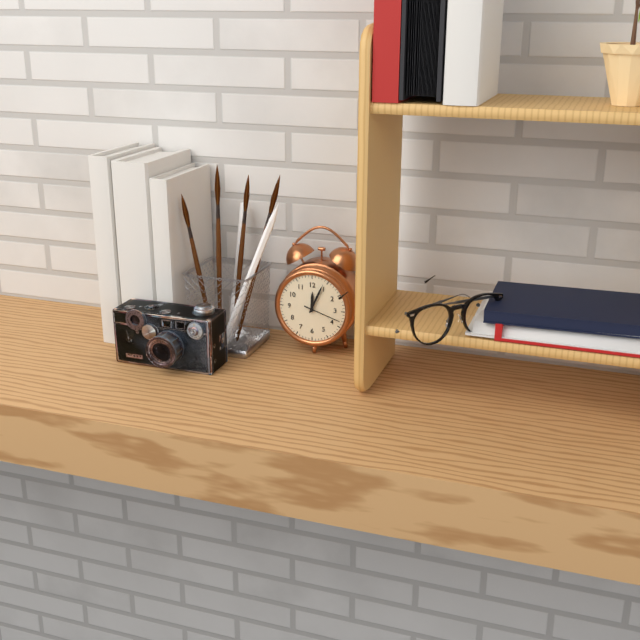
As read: 12h04
